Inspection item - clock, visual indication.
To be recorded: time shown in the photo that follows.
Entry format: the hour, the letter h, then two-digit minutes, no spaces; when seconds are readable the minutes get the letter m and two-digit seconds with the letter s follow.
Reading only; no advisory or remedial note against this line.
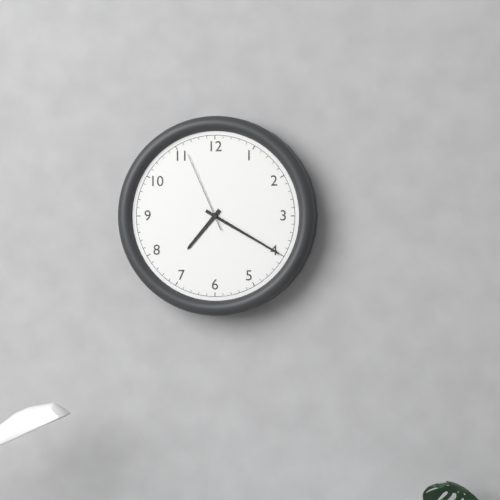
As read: 7h20m56s
